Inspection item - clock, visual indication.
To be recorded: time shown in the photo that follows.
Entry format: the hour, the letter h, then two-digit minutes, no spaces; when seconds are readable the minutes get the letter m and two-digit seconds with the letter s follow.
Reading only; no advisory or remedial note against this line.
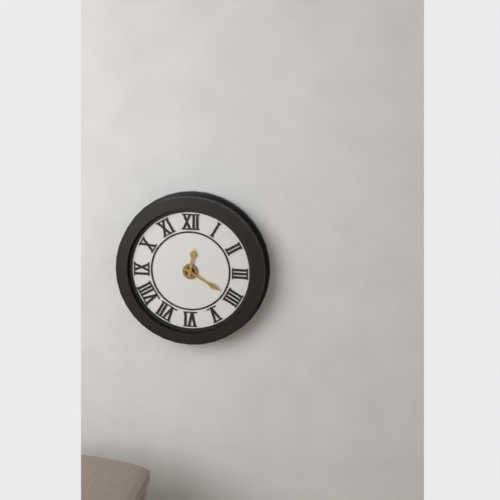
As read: 12h20
